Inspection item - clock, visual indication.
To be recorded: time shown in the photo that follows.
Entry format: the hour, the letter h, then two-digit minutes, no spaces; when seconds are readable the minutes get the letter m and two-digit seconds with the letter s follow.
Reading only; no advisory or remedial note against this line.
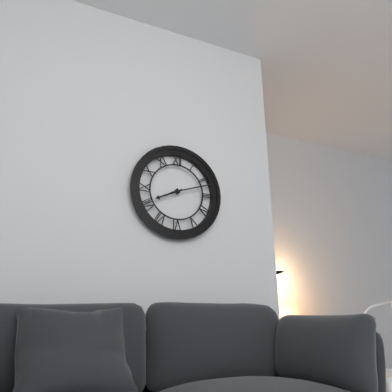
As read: 8h12
